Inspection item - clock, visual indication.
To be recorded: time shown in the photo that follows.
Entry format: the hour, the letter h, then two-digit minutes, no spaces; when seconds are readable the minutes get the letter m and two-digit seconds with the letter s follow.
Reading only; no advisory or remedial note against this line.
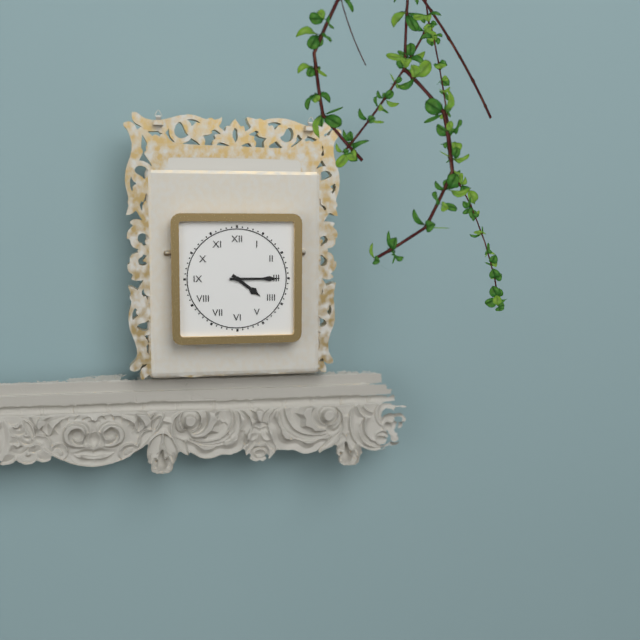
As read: 4h15
